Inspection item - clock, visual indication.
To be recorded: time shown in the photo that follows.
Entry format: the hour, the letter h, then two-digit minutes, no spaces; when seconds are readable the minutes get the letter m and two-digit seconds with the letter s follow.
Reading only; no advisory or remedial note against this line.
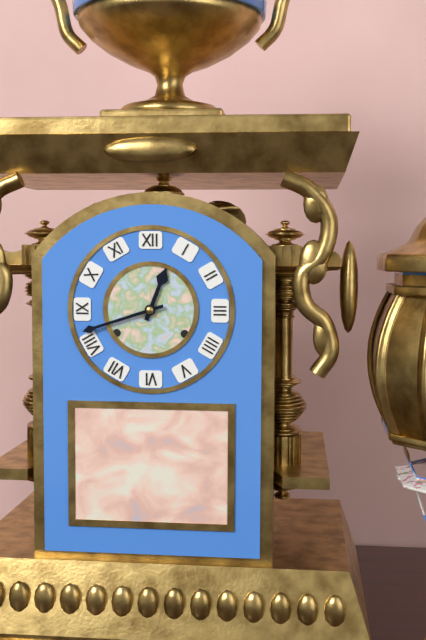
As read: 12h42
